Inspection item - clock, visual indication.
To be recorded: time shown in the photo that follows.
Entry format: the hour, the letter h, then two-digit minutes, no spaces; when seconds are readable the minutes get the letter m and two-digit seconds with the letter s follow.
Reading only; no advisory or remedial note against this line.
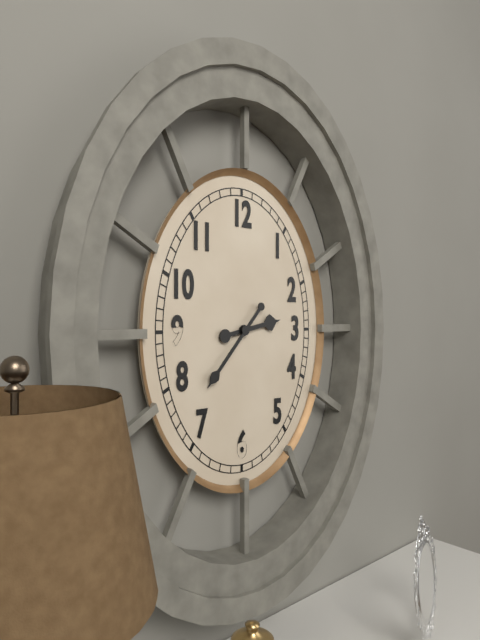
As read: 2h37
